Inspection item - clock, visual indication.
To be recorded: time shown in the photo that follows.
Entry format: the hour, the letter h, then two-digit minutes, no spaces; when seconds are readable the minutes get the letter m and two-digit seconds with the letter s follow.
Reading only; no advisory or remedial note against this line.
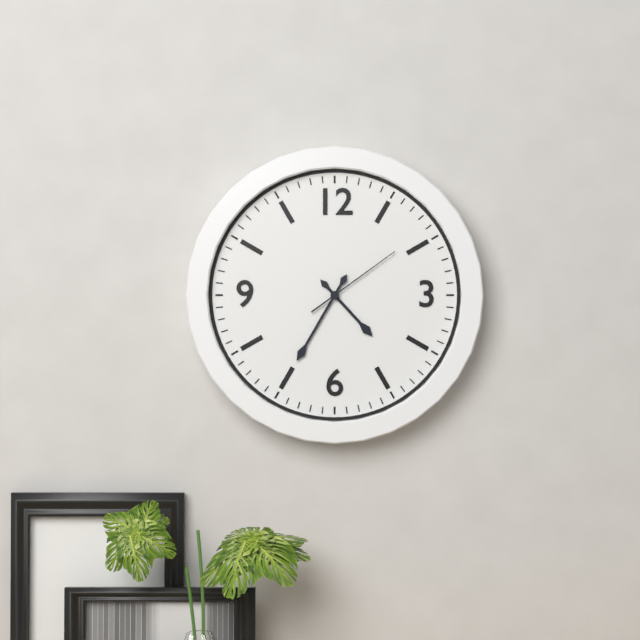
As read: 4h35m09s
